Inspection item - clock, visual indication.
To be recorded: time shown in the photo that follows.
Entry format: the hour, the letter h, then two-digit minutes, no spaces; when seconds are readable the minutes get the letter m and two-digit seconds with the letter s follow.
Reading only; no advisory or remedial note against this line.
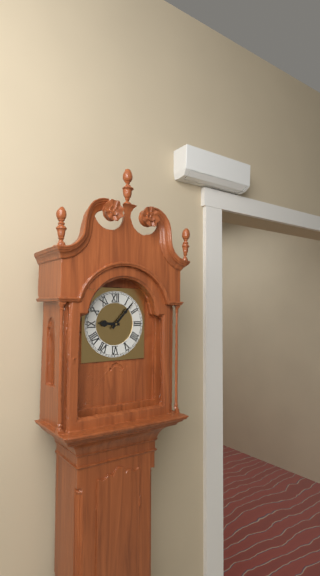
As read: 9h07
